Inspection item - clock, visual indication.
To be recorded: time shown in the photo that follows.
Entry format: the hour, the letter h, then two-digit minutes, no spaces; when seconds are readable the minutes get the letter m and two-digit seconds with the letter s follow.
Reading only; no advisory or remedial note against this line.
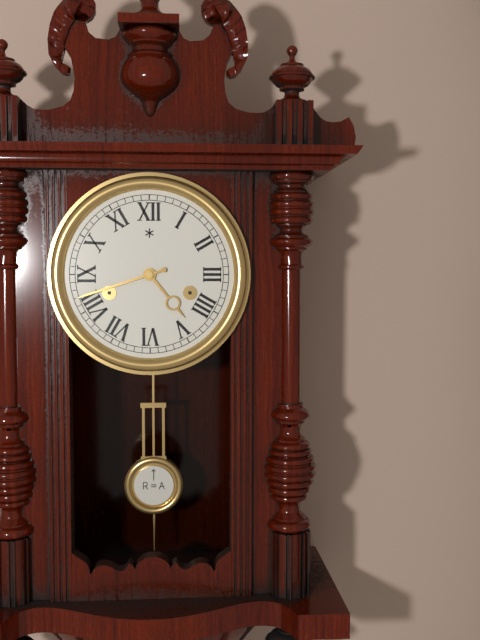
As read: 4h42
